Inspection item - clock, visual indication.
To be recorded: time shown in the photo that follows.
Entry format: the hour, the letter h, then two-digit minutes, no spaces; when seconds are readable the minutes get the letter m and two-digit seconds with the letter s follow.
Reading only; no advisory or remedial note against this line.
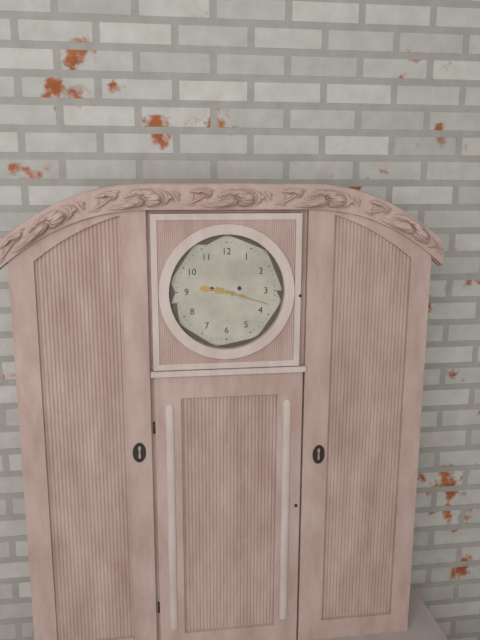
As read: 9h18
